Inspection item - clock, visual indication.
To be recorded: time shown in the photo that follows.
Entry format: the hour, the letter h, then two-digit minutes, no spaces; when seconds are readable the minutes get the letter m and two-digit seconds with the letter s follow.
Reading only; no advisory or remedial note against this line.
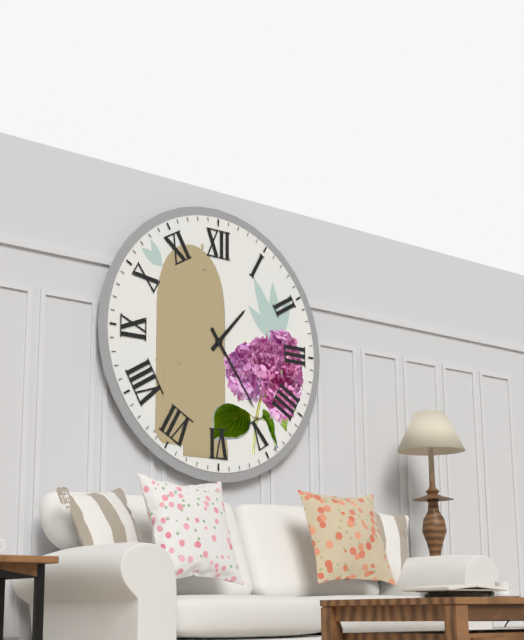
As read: 1h24
